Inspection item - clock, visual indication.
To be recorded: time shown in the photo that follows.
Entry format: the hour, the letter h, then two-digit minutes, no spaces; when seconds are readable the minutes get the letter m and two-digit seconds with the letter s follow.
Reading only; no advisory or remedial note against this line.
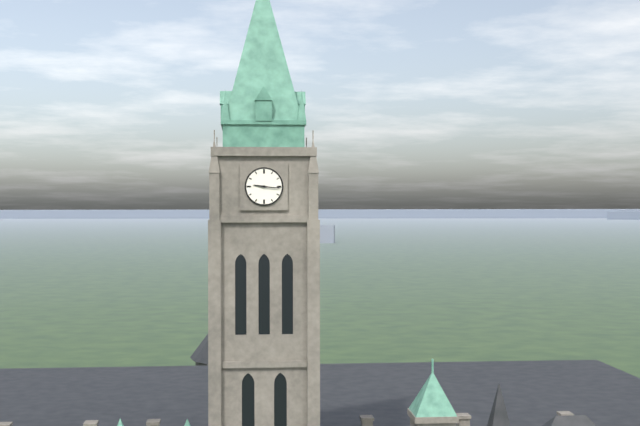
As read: 9h16
